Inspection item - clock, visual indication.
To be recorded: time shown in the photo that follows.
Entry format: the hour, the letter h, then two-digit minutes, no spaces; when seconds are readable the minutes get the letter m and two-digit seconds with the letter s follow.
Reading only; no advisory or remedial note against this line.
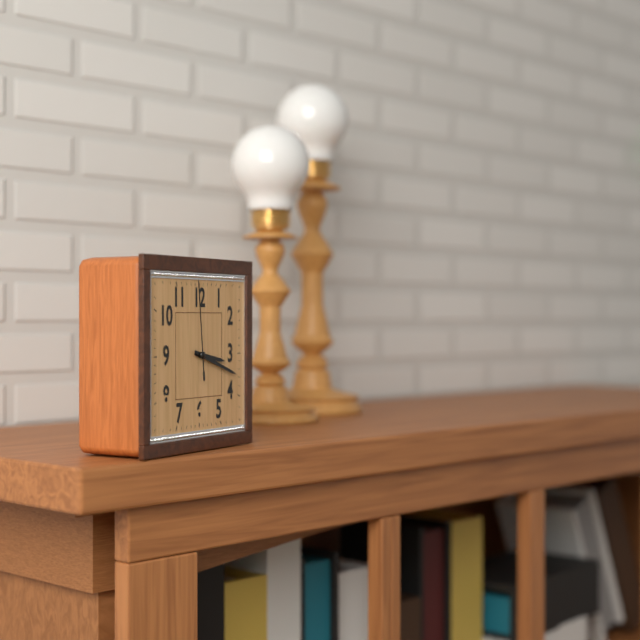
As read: 3h18m59s
